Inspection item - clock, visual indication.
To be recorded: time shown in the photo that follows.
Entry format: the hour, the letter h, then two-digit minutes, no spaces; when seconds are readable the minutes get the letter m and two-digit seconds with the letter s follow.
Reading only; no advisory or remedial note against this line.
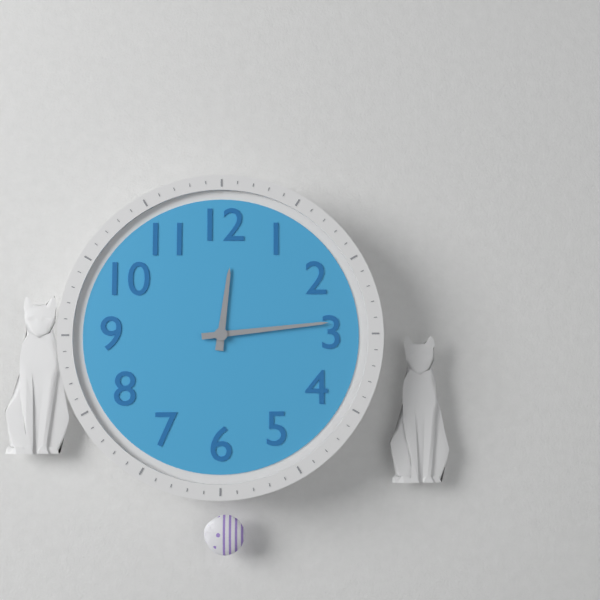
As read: 12h14
